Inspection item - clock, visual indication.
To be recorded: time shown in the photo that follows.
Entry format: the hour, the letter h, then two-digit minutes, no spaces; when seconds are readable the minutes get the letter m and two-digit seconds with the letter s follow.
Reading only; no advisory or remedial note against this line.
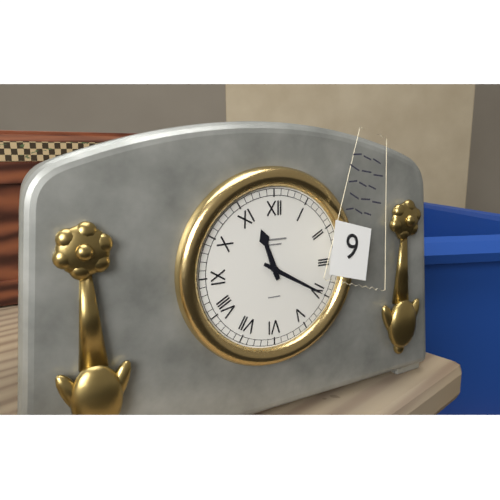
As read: 11h20
